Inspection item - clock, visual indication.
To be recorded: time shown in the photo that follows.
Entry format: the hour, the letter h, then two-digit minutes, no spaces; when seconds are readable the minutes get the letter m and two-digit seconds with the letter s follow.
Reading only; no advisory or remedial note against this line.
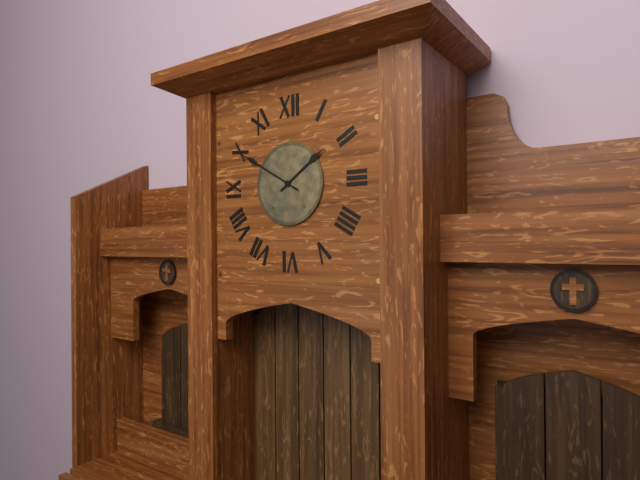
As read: 1h50
